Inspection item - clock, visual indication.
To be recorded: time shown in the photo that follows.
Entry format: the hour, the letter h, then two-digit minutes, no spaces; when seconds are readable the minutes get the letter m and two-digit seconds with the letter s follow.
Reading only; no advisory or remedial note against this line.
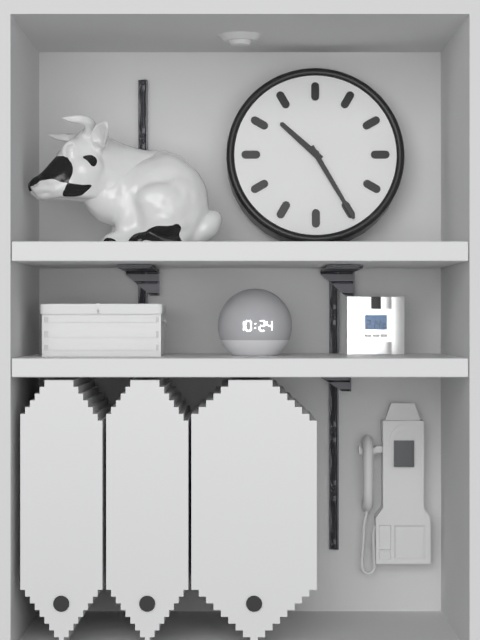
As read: 10h25
